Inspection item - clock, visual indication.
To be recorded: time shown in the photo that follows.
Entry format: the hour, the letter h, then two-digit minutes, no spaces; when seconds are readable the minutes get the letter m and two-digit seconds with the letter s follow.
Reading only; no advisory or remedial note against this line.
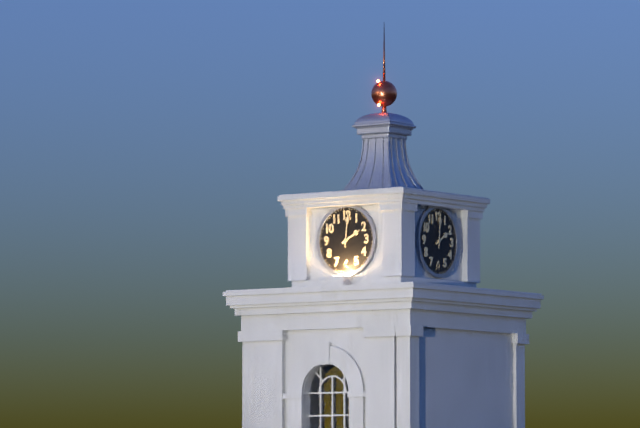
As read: 2h01
